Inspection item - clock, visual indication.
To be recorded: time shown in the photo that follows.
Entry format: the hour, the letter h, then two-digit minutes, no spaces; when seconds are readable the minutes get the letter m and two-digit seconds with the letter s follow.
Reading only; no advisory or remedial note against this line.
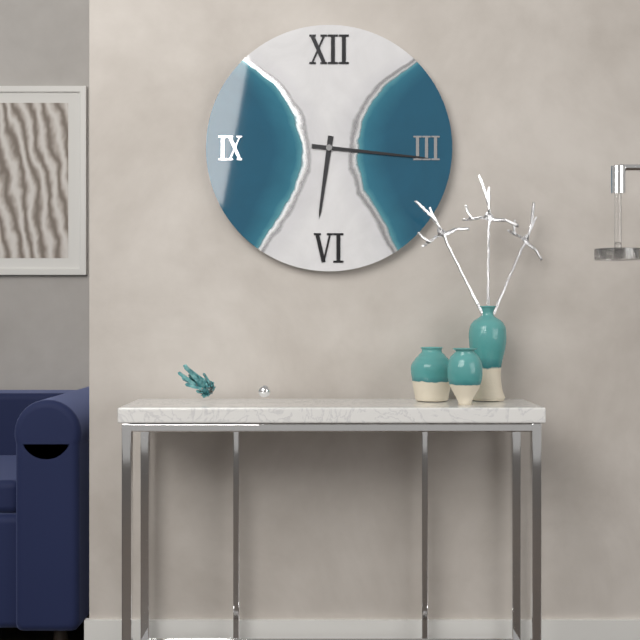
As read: 6h16
